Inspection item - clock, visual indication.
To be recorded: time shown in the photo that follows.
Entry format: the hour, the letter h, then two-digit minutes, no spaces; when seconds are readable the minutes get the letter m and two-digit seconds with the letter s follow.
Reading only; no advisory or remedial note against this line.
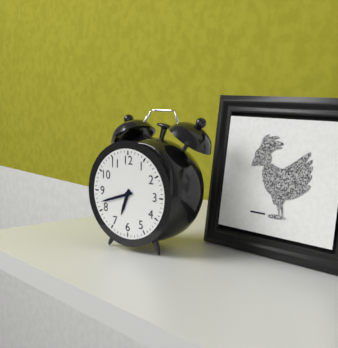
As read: 6h42
